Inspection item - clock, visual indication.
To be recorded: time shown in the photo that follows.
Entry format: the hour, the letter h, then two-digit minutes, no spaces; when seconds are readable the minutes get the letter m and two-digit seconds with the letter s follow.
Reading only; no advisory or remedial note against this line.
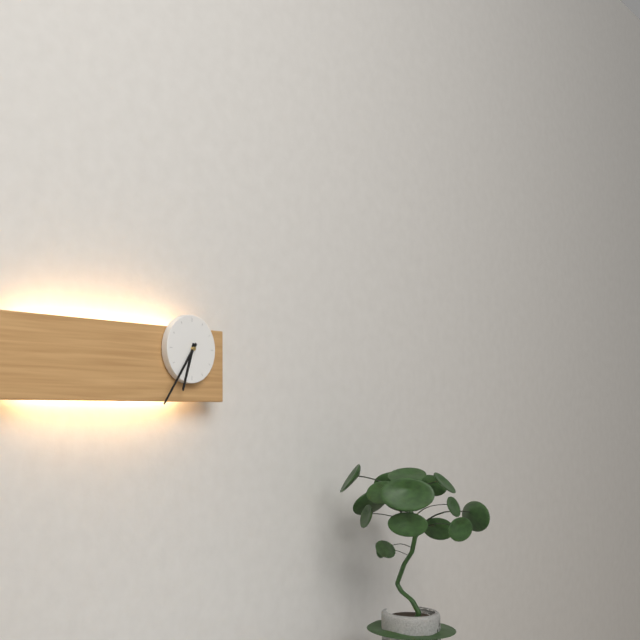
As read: 6h36
